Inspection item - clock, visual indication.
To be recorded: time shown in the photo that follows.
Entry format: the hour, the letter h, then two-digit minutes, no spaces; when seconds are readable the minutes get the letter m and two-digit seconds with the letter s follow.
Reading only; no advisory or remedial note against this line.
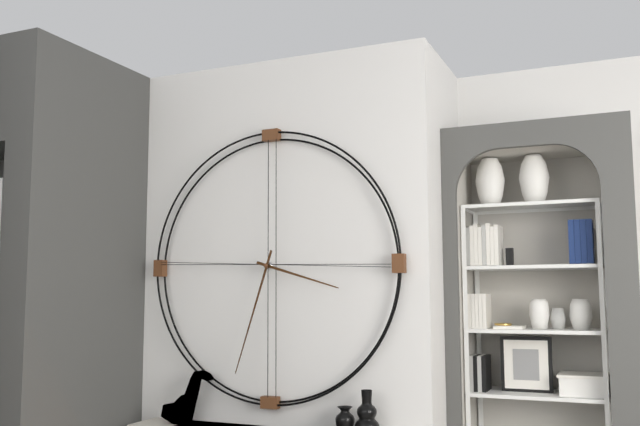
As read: 3h33
